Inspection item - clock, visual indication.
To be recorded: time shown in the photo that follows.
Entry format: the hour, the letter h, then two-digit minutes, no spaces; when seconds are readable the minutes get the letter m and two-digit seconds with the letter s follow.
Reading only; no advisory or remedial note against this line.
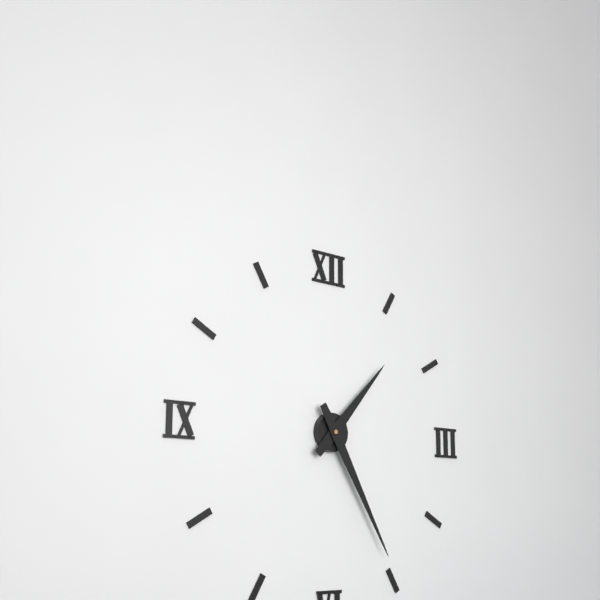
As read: 1h25
